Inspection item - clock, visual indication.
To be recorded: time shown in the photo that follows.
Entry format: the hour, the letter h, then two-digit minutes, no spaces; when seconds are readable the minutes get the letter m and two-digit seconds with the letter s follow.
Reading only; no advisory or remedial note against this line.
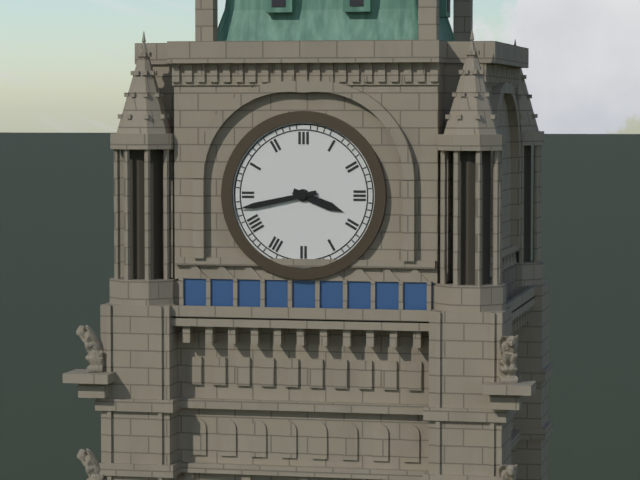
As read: 3h43
